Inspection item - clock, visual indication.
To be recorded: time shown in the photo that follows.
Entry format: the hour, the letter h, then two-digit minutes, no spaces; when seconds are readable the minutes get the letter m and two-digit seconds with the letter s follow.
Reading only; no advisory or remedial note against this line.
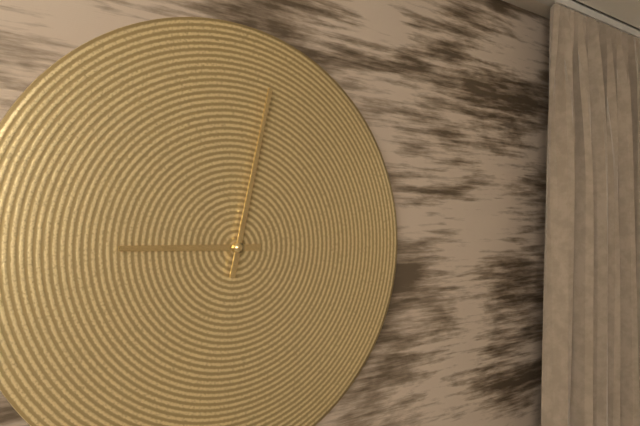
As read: 9h02
